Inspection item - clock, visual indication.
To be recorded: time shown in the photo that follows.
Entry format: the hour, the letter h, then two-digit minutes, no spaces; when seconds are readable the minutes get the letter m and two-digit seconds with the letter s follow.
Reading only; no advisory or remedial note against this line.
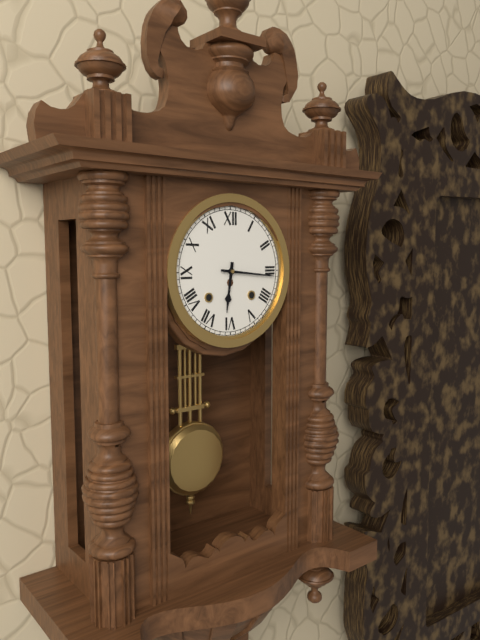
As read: 6h16
